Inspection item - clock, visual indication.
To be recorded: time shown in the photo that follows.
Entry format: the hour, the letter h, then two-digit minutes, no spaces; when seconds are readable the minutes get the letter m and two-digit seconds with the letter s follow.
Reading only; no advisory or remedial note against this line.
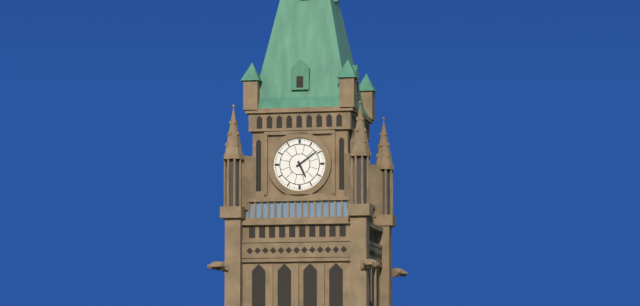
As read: 5h09
